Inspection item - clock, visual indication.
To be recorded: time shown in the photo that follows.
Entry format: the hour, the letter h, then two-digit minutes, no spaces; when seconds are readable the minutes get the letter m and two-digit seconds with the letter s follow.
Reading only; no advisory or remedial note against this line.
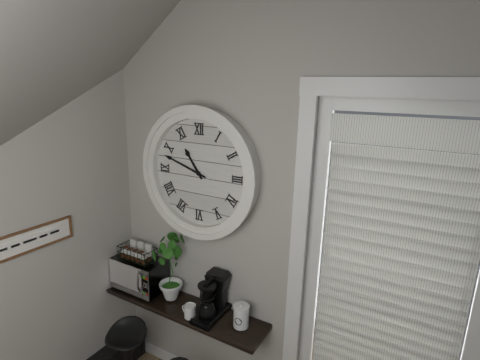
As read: 10h48
